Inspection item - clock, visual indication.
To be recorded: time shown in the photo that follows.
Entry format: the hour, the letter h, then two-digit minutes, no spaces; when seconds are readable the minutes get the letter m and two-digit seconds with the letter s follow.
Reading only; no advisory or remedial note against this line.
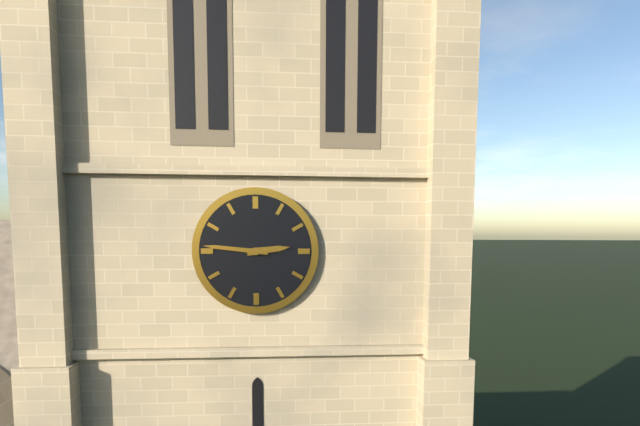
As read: 2h46
